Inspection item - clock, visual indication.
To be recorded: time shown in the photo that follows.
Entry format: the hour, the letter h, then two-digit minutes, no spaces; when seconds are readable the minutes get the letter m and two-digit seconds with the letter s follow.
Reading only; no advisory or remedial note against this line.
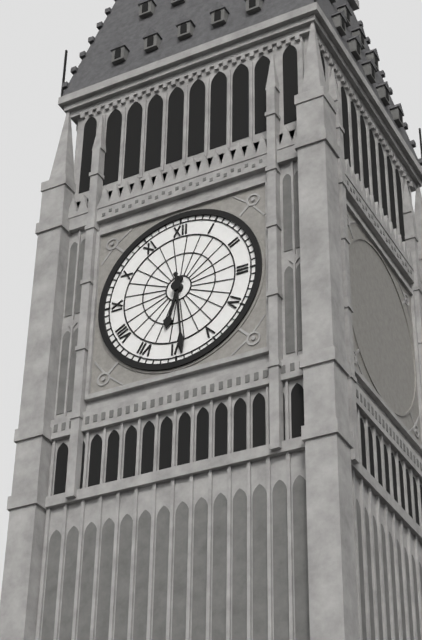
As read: 6h29
